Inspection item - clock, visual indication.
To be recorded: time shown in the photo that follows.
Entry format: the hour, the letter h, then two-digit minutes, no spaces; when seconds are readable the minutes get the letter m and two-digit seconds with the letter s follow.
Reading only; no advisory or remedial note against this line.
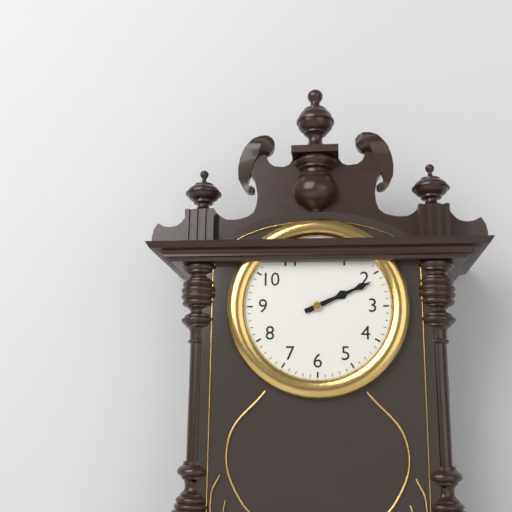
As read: 2h11
